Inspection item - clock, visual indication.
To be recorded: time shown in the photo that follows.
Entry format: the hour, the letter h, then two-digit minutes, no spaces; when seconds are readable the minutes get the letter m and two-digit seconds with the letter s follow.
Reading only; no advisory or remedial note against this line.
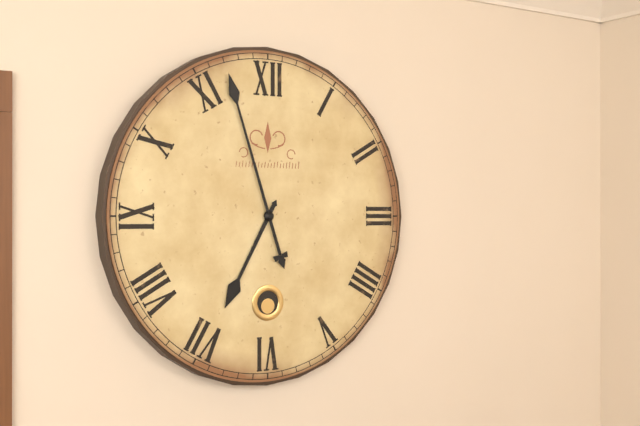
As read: 6h57
